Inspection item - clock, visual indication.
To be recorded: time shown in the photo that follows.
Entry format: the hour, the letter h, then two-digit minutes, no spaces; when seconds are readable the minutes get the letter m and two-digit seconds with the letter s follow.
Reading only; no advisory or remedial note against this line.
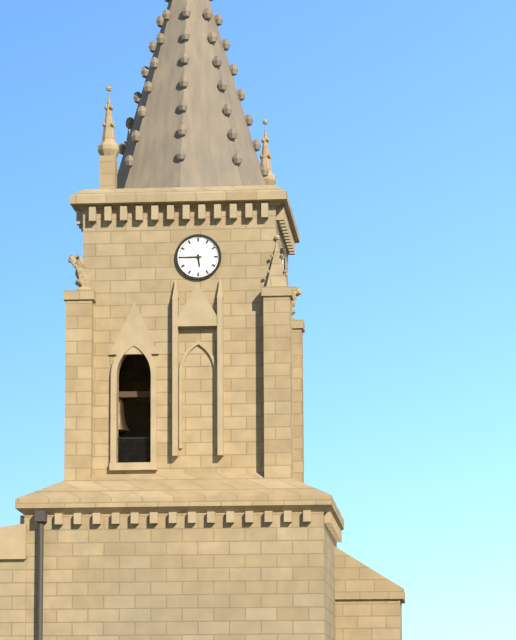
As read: 5h45
